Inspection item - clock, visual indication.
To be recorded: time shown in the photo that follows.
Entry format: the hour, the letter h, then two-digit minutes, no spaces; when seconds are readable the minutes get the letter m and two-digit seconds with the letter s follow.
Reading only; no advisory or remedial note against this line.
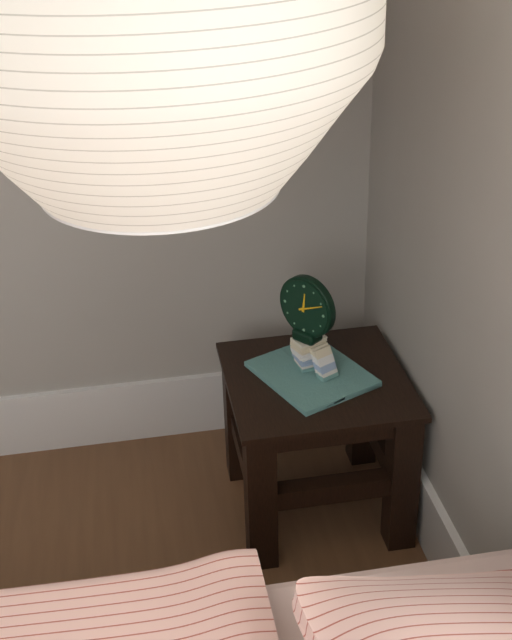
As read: 12h11
